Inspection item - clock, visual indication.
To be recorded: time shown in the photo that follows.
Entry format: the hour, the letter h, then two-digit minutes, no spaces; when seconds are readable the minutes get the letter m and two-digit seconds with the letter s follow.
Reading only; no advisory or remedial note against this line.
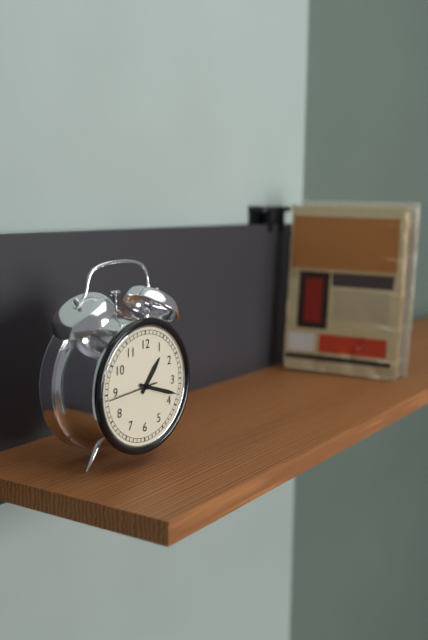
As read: 1h18
